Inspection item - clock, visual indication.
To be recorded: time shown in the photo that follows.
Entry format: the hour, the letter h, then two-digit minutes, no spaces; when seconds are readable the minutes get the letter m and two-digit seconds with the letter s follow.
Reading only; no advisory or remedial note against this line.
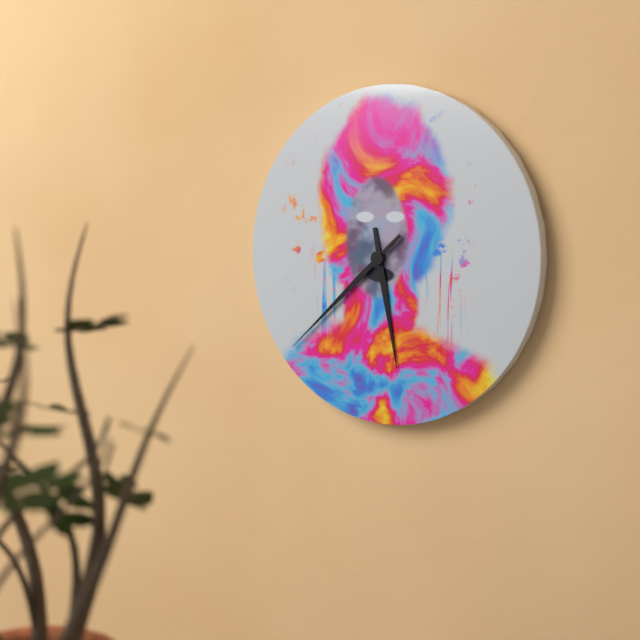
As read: 5h38
